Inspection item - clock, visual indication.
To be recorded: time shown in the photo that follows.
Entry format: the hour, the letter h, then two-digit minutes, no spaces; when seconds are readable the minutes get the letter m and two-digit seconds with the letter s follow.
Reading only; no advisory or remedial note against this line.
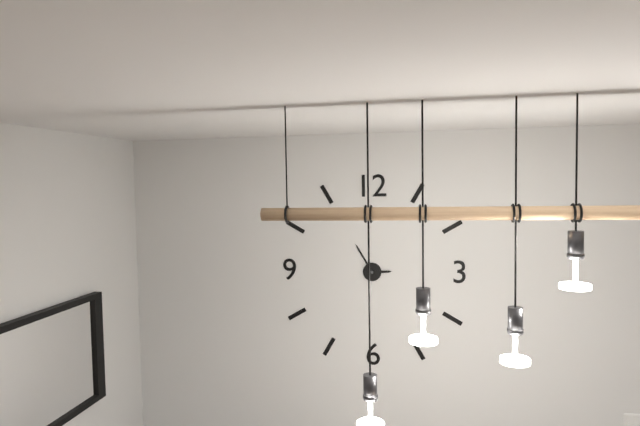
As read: 2h55
